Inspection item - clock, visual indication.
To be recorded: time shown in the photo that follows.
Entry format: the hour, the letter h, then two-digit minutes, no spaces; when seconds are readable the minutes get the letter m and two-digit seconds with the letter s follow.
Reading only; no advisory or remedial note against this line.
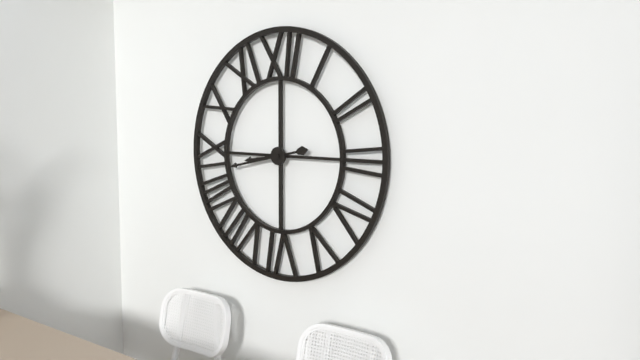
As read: 8h43
